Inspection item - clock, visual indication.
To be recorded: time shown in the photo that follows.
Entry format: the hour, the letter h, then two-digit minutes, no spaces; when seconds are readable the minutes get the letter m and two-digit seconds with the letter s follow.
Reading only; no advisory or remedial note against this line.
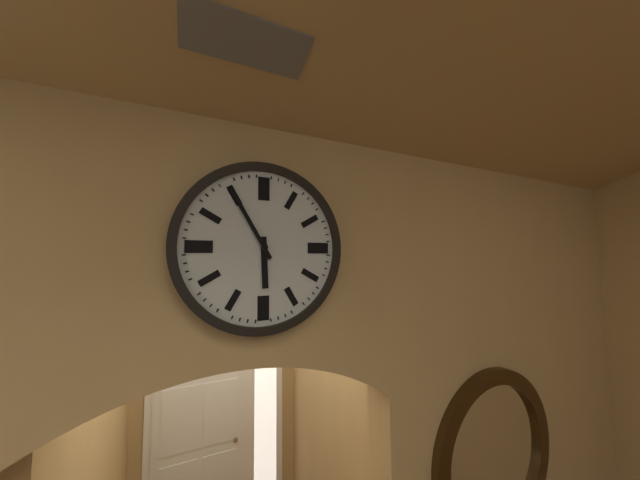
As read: 5h55
